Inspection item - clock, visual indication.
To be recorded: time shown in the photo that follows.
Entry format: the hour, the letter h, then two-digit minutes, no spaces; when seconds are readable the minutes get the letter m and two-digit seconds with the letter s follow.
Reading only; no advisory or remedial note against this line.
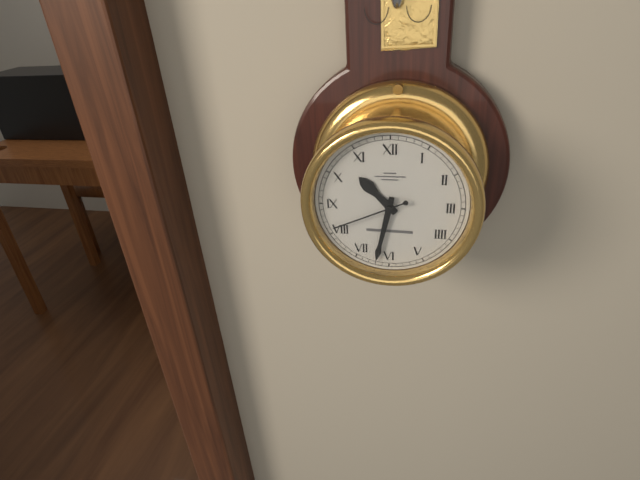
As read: 10h32m41s
